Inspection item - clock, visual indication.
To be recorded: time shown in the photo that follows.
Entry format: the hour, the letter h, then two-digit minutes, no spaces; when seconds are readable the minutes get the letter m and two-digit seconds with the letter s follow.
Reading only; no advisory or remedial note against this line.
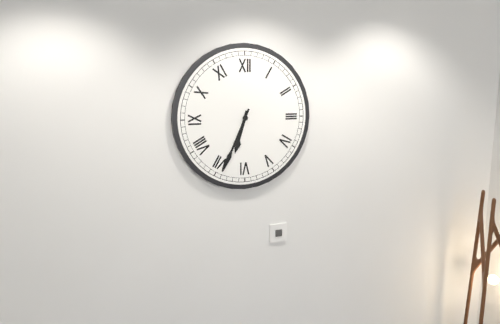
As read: 6h34
